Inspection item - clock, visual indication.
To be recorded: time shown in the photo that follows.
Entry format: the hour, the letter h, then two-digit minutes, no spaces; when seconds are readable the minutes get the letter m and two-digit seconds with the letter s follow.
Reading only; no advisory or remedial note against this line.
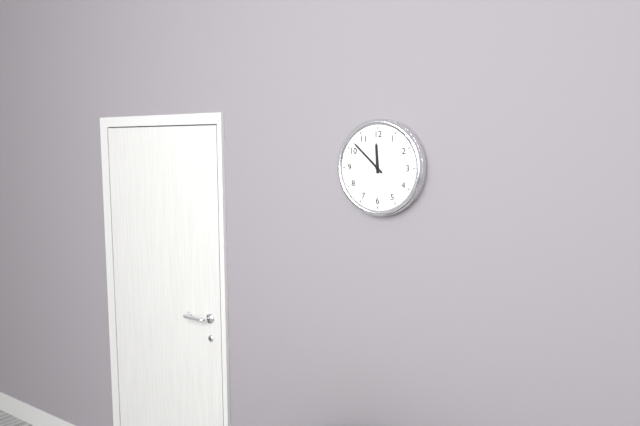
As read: 11h52
